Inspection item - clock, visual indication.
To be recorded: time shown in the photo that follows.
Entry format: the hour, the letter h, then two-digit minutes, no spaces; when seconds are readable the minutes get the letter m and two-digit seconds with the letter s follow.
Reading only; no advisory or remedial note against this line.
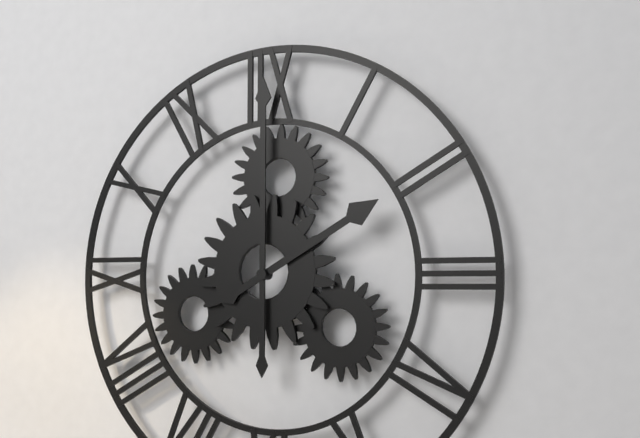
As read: 2h00
